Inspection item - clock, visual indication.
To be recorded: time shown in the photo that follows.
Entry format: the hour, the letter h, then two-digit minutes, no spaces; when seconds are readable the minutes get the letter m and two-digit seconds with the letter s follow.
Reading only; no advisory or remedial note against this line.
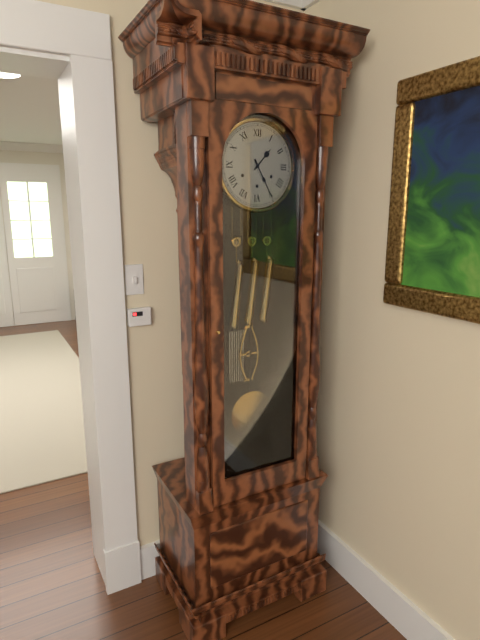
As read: 1h25
